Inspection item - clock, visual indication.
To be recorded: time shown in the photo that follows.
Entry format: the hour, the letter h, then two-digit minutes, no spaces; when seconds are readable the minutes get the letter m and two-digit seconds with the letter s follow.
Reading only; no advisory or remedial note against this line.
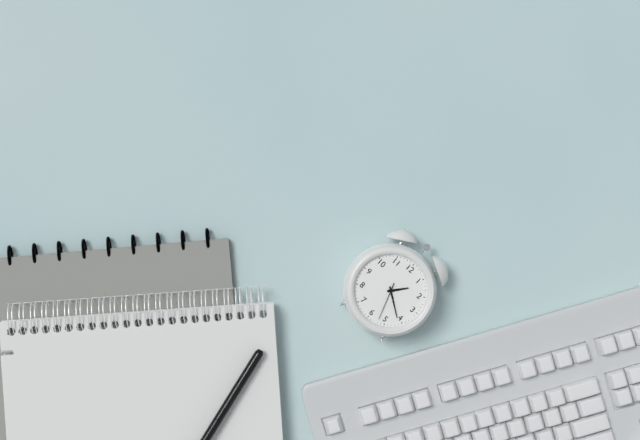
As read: 1h21
